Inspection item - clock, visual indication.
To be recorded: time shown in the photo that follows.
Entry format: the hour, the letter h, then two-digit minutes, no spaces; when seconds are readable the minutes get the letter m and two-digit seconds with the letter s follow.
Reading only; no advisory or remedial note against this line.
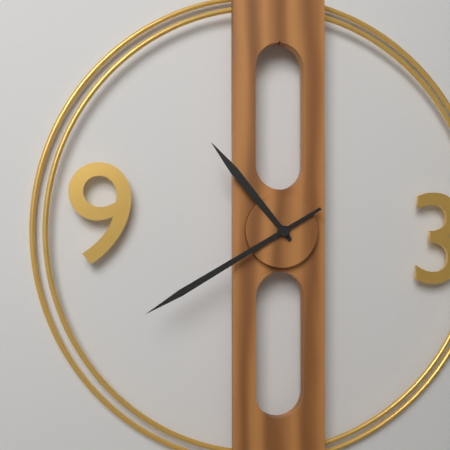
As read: 10h40
